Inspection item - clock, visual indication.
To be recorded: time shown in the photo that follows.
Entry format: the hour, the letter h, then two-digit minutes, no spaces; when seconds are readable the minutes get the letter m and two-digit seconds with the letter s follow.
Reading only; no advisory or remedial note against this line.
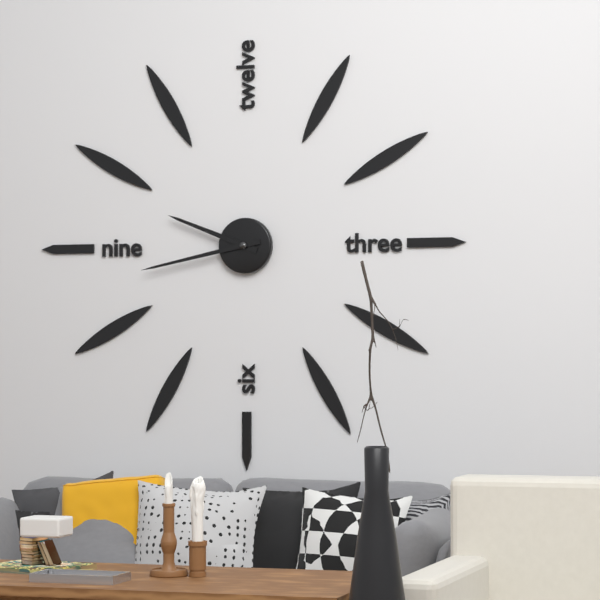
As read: 9h43
